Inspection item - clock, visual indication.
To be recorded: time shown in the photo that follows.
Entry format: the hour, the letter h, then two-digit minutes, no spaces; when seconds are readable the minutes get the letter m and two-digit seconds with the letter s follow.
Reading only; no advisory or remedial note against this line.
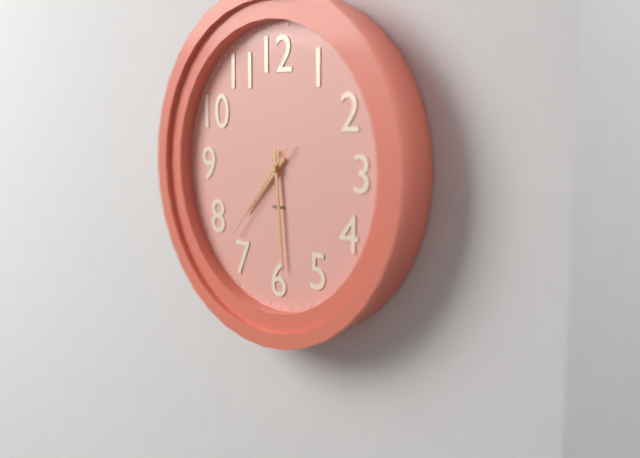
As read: 7h29m37s
